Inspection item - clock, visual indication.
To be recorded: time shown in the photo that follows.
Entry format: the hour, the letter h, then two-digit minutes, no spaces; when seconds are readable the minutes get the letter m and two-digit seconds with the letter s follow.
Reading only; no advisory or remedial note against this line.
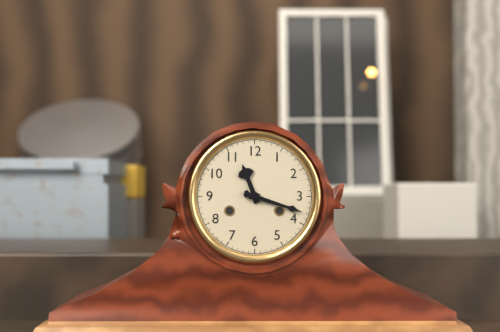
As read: 11h18
